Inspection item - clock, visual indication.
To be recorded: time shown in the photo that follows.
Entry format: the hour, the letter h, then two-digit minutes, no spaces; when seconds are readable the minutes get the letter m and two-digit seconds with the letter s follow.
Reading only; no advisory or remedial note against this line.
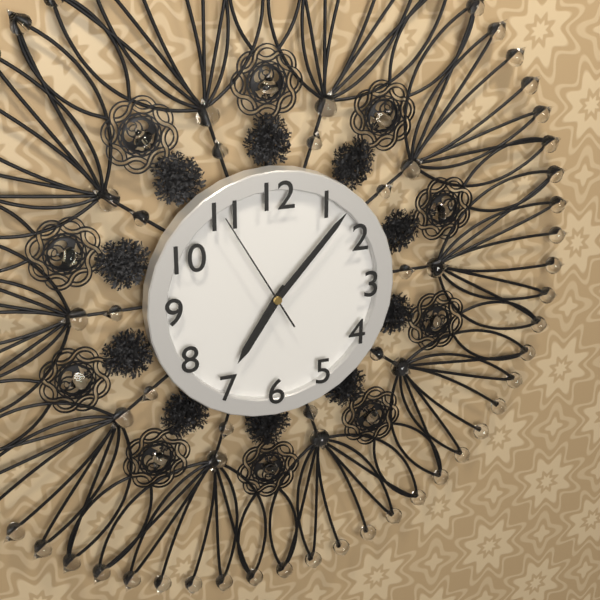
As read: 7h07m55s
